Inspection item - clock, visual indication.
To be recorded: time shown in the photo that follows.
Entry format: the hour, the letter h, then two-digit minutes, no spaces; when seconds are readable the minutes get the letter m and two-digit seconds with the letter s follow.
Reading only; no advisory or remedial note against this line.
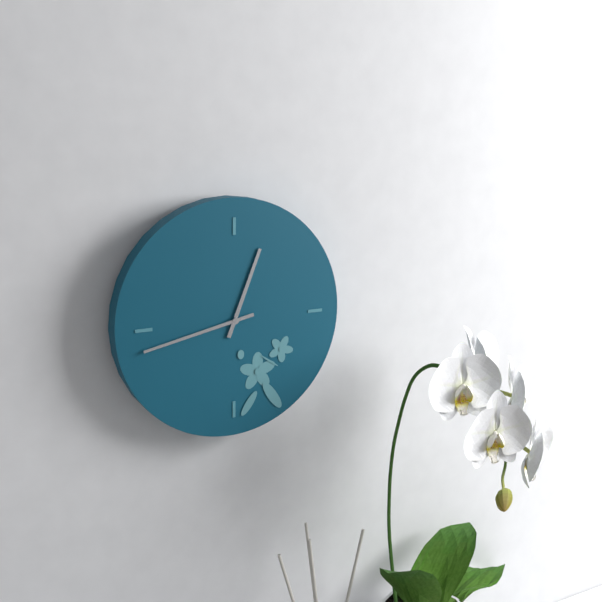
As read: 12h43
